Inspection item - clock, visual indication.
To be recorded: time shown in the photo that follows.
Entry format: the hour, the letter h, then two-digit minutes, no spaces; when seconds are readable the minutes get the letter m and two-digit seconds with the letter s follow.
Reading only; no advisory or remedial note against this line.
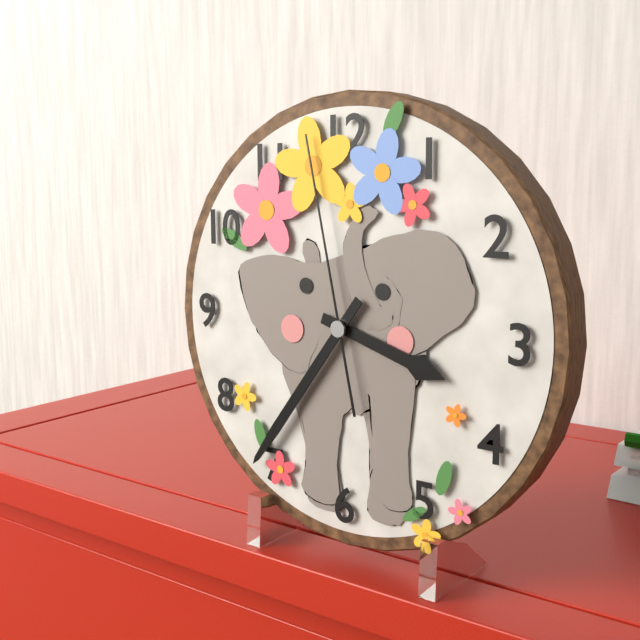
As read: 3h36m58s
